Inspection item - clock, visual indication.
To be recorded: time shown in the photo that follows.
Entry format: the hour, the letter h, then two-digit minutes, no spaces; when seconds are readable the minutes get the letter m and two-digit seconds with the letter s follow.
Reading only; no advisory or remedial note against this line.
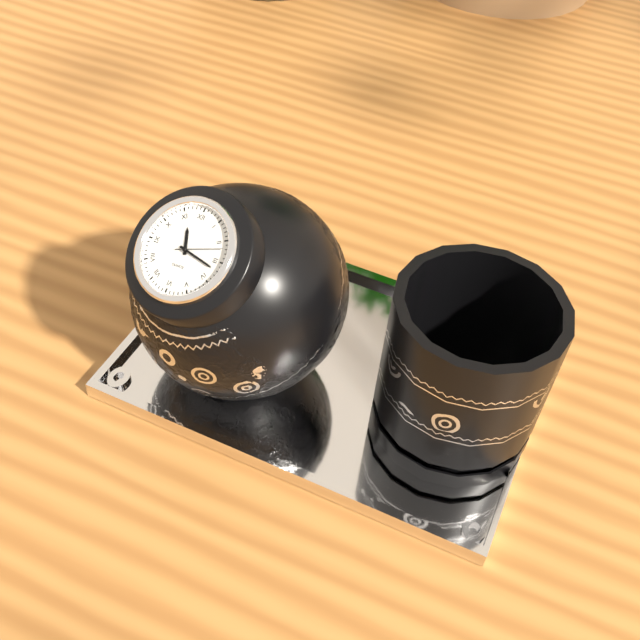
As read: 11h17m12s
